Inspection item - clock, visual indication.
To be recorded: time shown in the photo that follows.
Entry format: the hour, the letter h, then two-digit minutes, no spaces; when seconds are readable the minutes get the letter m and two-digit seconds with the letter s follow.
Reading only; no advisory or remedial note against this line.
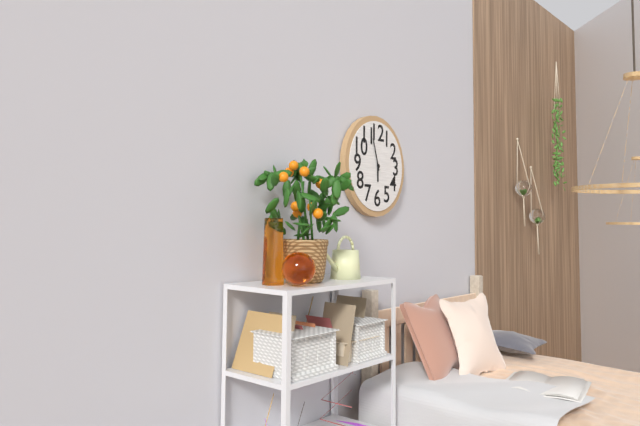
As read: 5h57
